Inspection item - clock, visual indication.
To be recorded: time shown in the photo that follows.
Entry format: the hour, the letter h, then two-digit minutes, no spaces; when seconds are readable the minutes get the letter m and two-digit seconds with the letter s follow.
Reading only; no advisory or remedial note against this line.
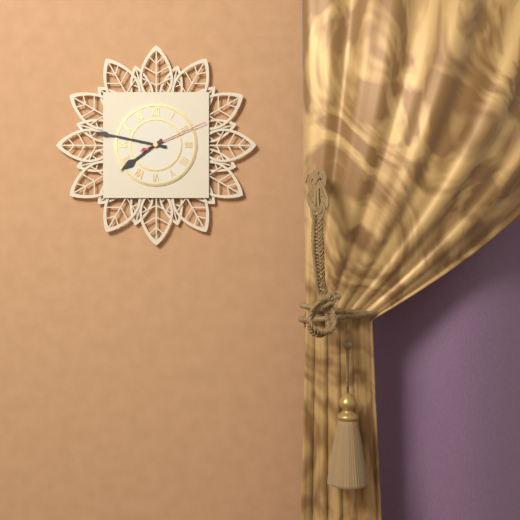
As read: 7h47m11s
